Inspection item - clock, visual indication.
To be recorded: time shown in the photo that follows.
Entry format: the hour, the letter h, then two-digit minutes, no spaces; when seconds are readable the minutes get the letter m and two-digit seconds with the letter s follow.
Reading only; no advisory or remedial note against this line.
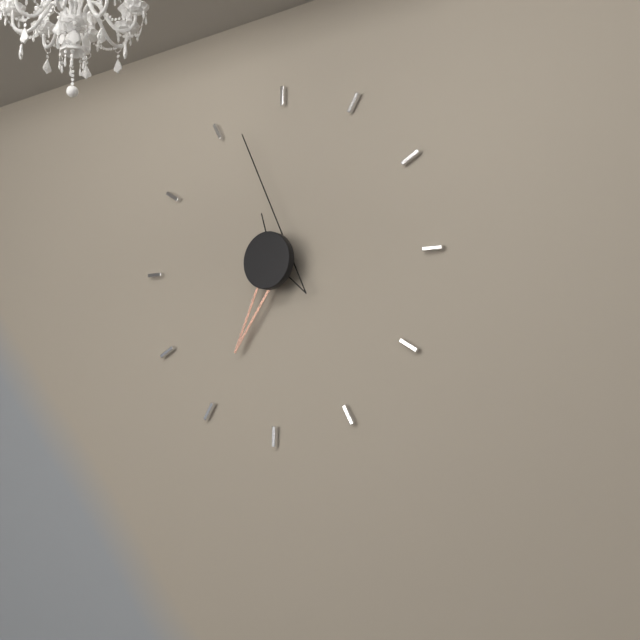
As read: 6h57
